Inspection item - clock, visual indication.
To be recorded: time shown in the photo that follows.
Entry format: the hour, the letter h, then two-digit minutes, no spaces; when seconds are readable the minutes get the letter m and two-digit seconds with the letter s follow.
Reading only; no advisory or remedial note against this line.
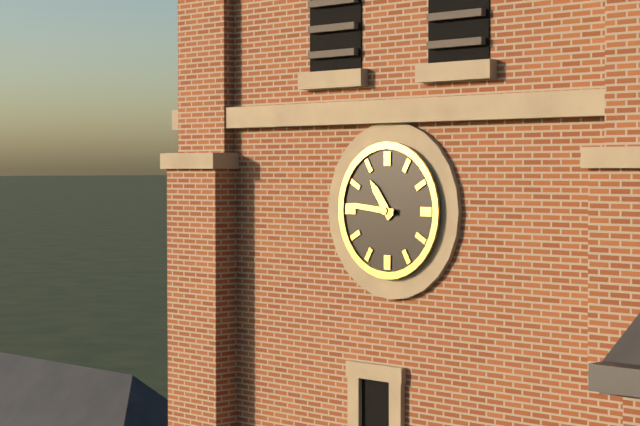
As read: 10h46
